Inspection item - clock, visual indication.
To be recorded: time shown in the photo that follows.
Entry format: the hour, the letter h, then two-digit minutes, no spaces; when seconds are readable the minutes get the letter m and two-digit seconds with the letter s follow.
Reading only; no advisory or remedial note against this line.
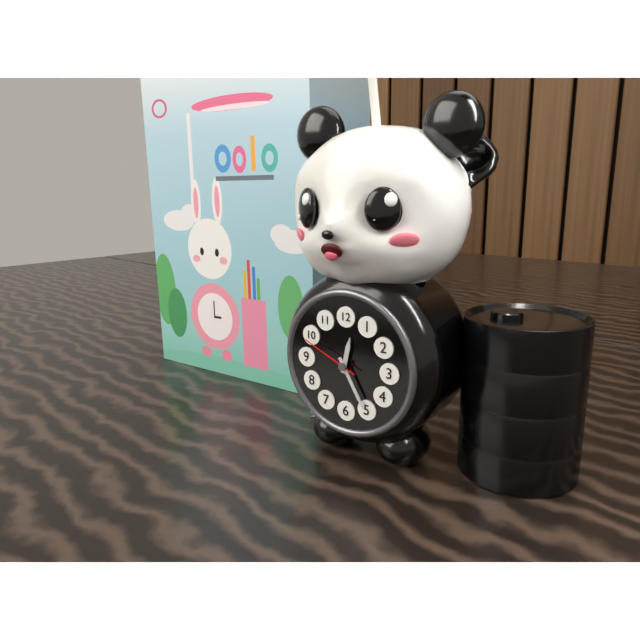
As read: 12h25m49s
